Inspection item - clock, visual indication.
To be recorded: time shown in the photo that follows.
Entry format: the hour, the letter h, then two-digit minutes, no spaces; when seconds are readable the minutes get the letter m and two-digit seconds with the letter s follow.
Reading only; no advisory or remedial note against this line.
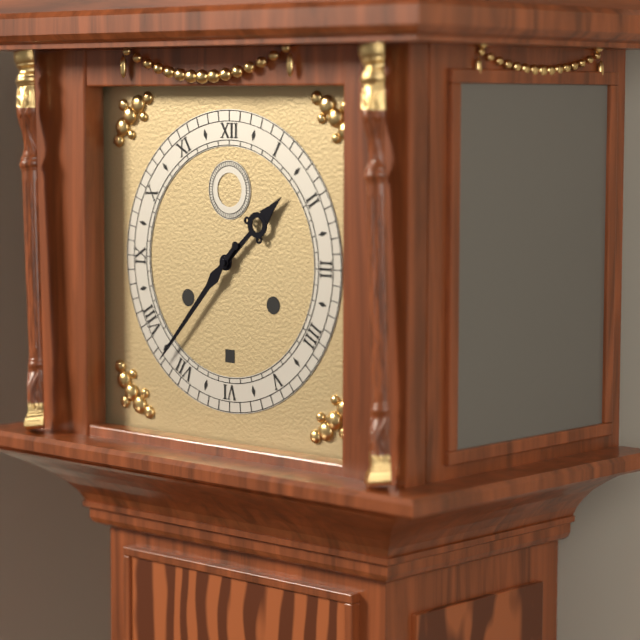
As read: 1h37
